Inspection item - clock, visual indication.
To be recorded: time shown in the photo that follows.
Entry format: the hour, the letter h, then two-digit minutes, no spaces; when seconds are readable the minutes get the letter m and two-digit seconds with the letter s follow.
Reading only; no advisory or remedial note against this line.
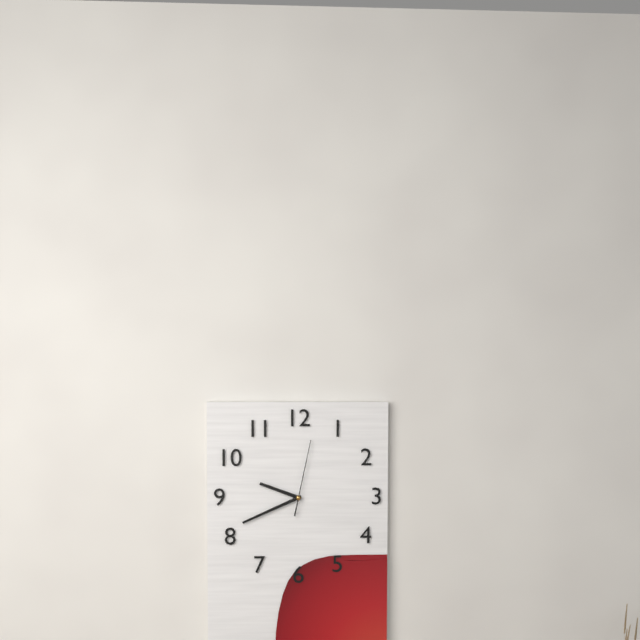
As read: 9h41m02s
